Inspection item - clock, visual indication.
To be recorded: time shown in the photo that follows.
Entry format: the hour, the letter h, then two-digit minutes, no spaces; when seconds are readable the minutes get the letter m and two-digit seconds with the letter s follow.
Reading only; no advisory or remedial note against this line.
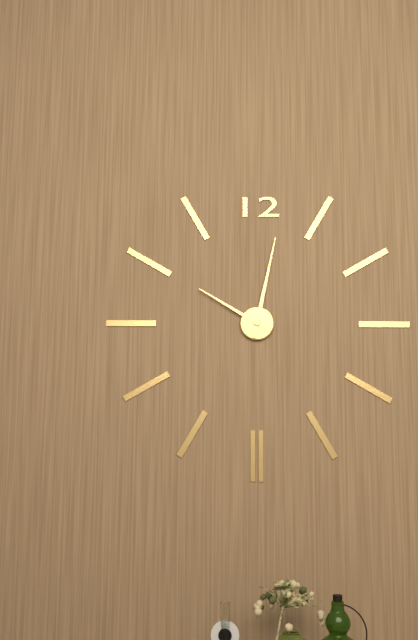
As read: 10h02
